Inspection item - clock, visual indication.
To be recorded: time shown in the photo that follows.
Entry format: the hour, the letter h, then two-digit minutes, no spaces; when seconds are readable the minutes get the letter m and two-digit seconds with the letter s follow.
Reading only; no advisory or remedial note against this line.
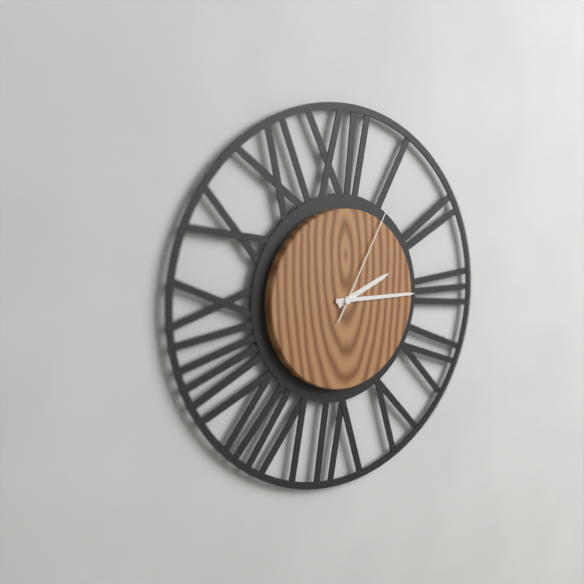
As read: 2h15m05s
